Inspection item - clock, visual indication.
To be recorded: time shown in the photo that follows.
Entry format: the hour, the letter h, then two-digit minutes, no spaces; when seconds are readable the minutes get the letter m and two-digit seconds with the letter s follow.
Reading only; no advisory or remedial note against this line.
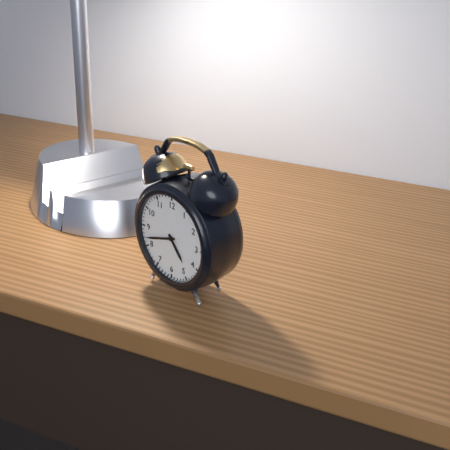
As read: 4h42
